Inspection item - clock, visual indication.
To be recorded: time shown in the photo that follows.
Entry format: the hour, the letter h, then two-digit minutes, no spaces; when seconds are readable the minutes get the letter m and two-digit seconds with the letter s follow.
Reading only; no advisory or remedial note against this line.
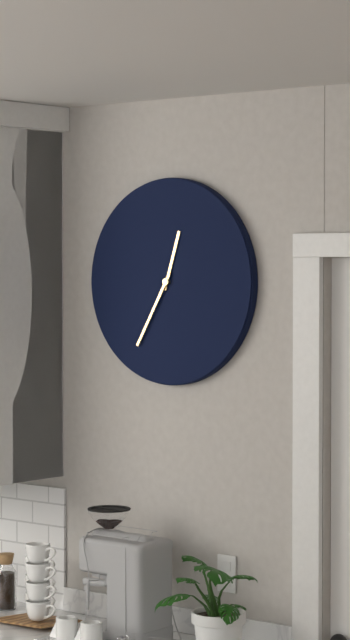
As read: 12h35
